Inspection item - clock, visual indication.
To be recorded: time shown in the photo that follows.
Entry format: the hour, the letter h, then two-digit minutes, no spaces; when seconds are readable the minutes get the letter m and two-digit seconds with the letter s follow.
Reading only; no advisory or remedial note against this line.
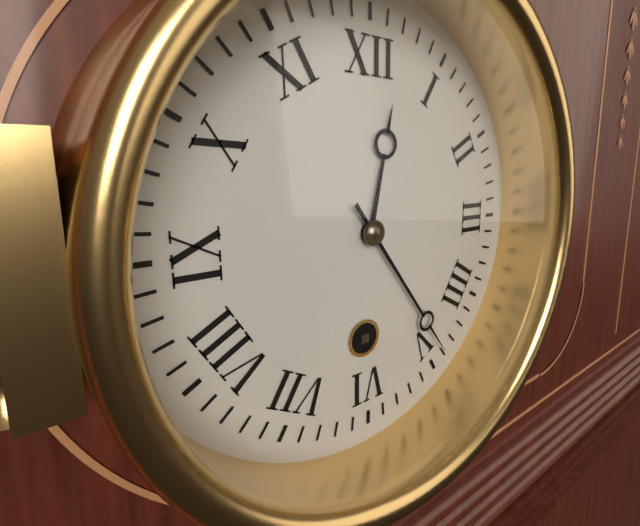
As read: 12h24
